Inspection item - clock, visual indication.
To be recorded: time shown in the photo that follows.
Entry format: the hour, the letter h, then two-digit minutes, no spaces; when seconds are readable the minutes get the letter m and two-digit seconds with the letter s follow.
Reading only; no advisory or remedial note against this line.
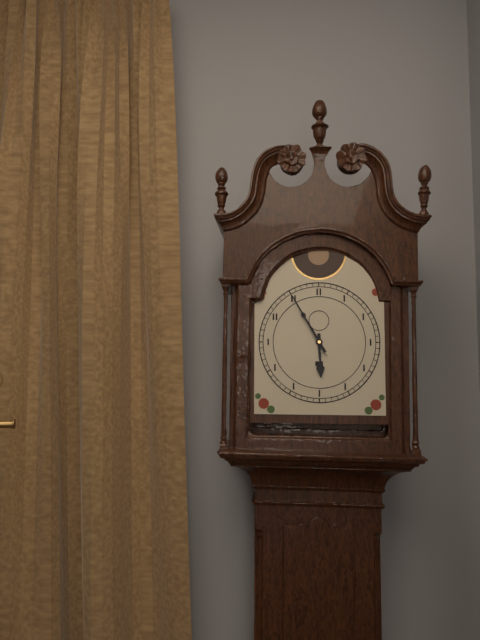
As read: 5h55
